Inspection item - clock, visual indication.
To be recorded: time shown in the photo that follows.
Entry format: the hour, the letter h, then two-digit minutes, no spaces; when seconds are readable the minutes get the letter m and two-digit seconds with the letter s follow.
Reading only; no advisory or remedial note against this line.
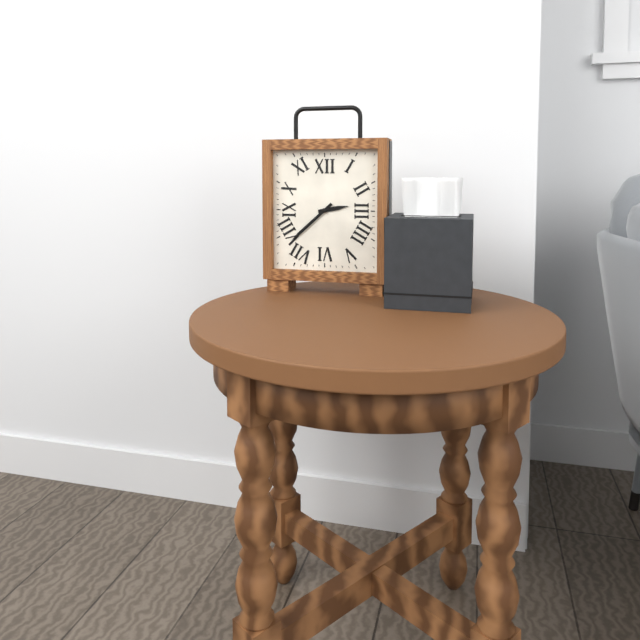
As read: 2h38
